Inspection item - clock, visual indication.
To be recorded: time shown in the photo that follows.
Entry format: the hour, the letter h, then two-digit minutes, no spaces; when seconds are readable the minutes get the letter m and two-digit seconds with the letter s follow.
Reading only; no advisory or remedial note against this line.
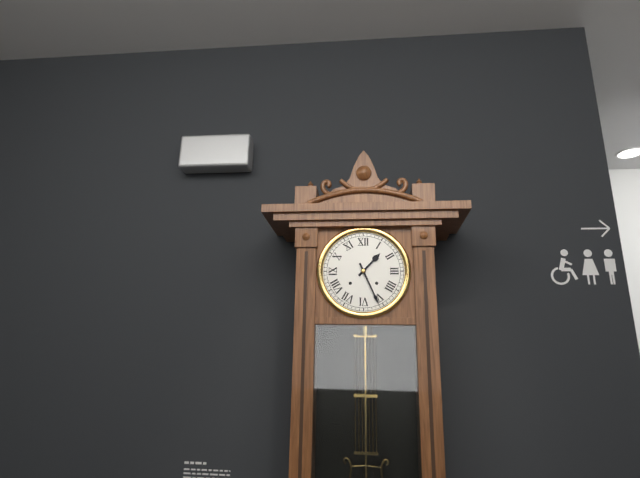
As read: 1h26
